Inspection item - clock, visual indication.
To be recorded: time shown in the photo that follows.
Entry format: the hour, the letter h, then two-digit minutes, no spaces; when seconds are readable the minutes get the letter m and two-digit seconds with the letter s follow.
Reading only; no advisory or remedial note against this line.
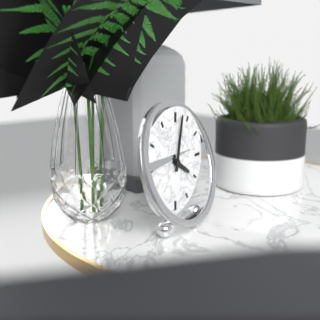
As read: 4h02
